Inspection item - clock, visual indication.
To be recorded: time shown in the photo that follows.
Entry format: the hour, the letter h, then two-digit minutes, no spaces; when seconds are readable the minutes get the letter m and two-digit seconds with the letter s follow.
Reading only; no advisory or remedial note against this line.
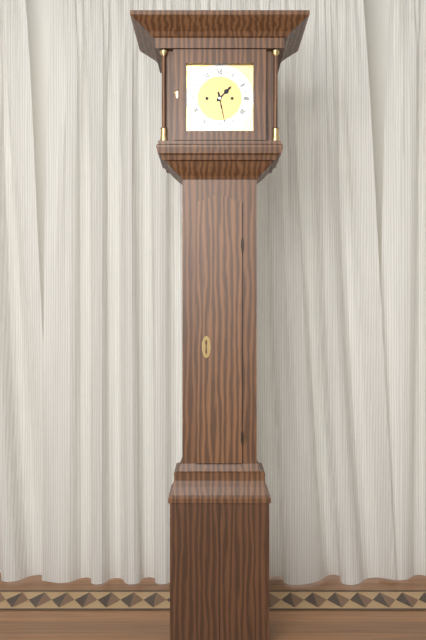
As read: 1h28
